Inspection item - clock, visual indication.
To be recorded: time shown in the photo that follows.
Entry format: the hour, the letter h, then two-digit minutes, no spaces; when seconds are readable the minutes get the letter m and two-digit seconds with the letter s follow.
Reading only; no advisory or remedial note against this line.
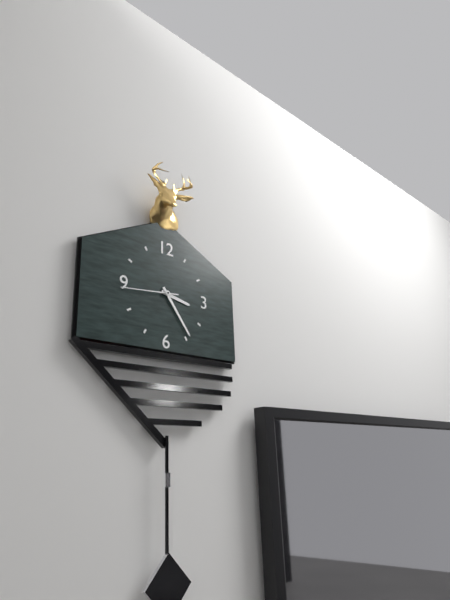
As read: 3h24m44s
